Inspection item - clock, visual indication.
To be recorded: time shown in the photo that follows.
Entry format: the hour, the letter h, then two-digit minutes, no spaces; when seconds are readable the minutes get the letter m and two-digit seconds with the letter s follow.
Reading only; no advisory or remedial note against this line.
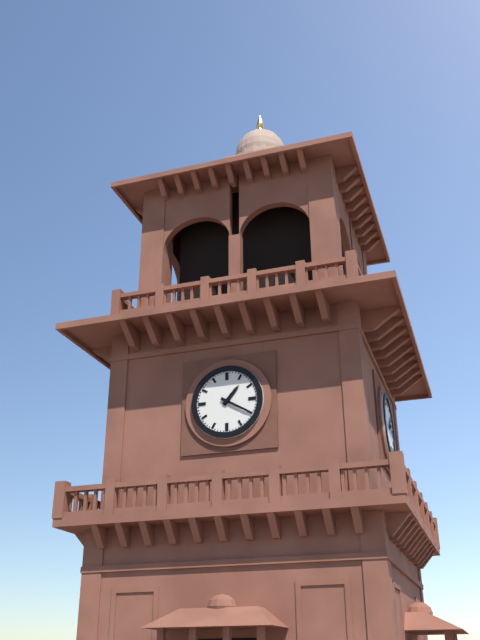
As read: 1h20
